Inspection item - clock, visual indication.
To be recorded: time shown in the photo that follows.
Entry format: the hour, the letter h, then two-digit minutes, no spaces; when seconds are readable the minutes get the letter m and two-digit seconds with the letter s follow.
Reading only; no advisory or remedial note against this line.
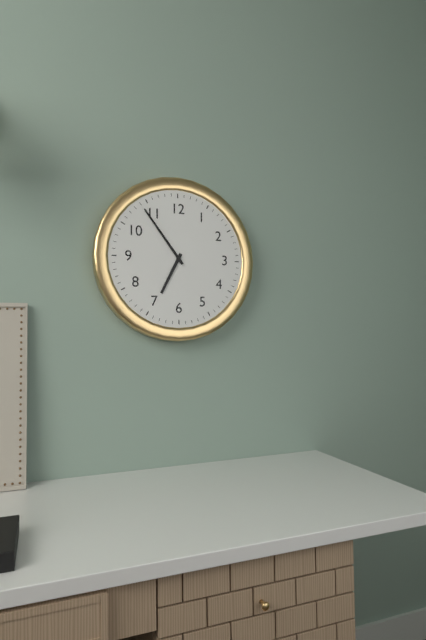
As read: 6h54
